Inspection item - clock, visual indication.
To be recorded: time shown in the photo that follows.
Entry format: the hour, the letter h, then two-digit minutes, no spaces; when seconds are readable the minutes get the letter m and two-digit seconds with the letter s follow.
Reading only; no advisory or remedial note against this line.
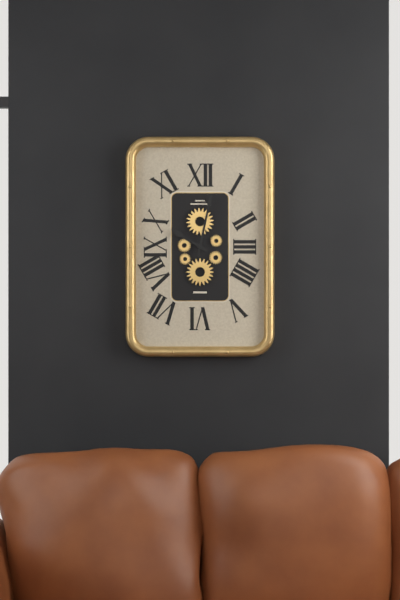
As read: 10h02
